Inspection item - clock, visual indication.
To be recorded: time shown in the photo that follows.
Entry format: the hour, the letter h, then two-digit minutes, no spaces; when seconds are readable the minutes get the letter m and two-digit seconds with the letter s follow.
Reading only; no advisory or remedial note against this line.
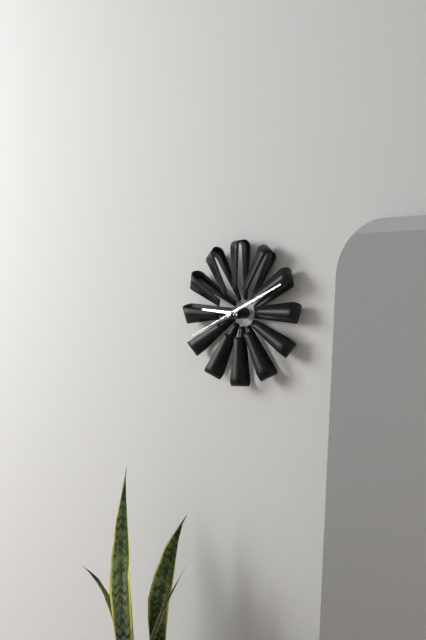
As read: 9h11m41s
